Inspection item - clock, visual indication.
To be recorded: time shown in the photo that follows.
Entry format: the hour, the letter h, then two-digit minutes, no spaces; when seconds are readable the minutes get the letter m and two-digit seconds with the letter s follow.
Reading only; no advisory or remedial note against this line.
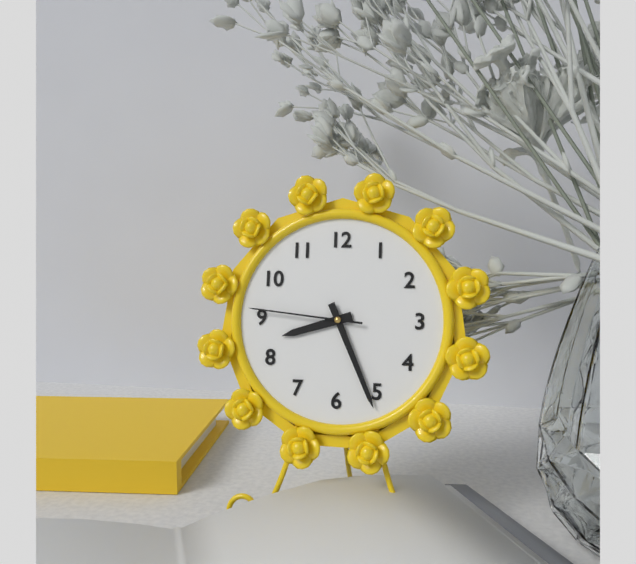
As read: 8h26m46s
